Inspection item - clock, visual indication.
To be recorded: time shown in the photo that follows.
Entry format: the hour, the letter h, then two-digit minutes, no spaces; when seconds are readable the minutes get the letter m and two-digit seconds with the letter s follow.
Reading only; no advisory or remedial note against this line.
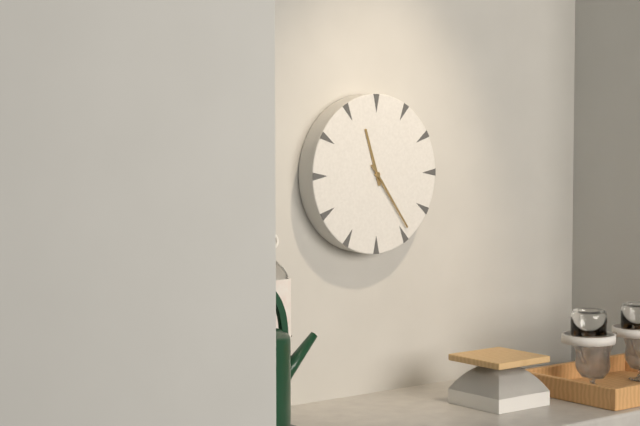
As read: 11h24
